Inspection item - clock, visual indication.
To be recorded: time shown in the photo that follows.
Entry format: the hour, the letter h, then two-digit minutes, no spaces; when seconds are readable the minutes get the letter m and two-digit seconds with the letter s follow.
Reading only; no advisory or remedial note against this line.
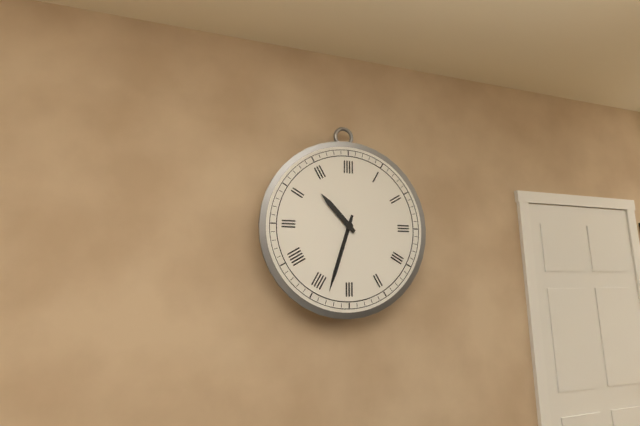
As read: 10h33
